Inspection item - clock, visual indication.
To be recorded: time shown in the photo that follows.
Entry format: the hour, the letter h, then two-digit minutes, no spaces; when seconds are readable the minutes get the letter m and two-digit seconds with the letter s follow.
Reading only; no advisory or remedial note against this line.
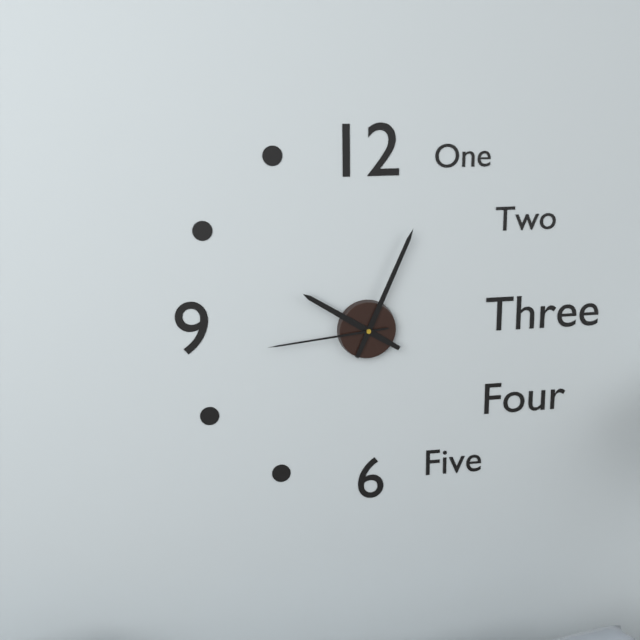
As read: 10h04m44s
